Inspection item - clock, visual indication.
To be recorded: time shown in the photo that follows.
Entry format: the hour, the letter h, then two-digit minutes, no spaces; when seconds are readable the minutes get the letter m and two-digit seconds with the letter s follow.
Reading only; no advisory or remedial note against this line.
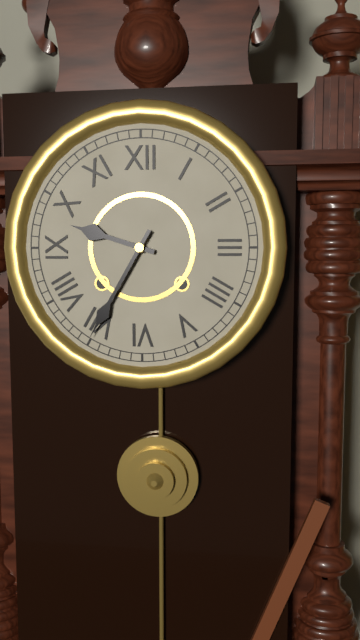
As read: 9h35
